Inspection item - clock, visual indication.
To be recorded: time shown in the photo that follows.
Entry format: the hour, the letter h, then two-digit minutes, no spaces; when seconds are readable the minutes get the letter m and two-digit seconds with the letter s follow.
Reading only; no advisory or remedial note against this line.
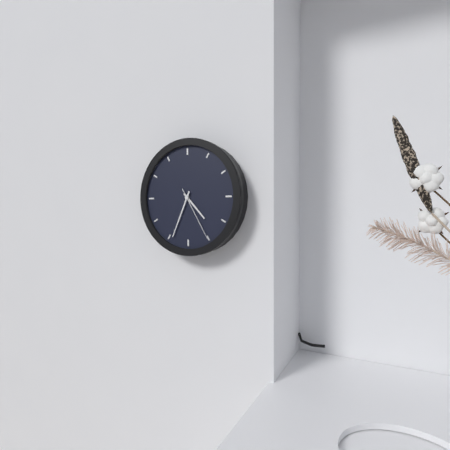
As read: 4h34m25s
